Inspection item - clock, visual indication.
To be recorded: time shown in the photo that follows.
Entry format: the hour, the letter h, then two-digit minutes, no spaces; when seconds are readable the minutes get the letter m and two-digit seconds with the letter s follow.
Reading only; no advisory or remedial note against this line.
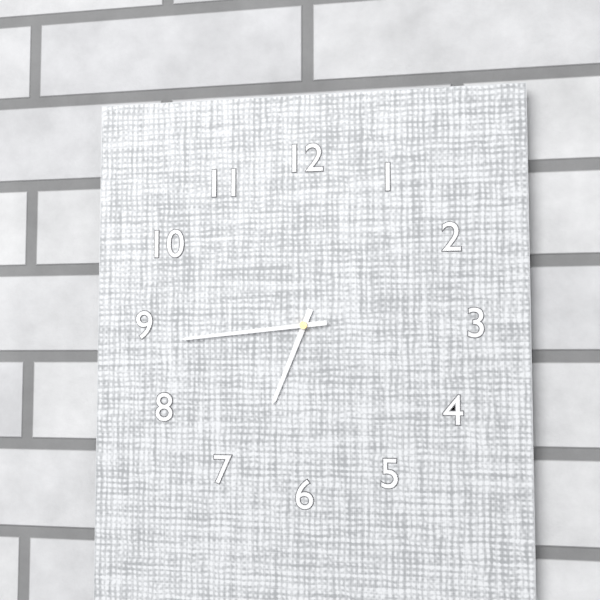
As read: 6h44
